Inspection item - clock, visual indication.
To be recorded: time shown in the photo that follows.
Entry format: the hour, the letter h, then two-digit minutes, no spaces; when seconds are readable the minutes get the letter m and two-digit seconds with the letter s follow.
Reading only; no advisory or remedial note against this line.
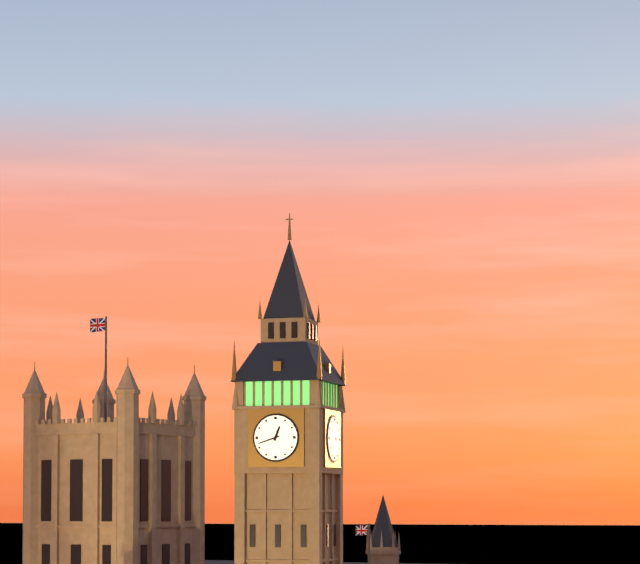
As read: 12h42
